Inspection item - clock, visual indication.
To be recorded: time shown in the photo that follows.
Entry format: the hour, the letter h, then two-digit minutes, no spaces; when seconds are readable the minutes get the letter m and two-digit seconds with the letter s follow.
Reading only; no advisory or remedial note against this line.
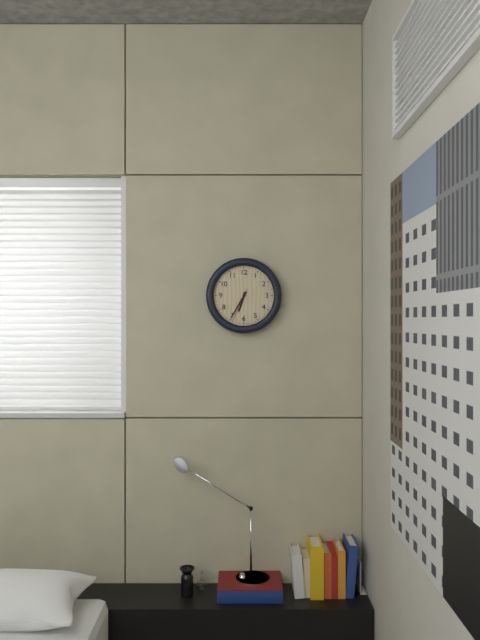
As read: 6h35
